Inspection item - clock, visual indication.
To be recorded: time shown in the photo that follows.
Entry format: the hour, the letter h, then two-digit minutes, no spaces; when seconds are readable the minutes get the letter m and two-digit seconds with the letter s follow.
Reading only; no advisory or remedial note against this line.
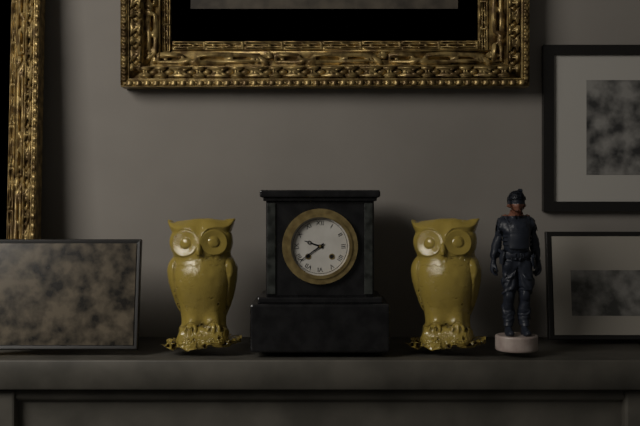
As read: 9h39
